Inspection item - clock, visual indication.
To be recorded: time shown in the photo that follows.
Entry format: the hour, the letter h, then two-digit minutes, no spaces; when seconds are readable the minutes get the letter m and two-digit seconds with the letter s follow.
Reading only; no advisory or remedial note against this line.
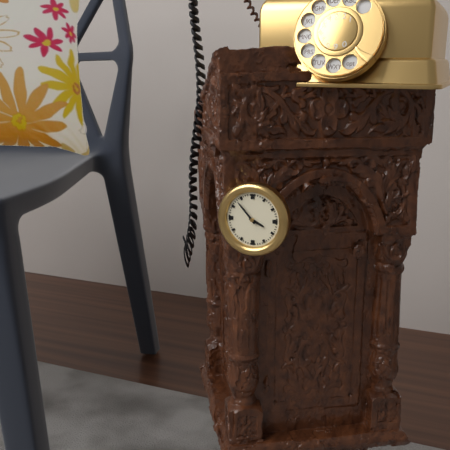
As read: 3h53
